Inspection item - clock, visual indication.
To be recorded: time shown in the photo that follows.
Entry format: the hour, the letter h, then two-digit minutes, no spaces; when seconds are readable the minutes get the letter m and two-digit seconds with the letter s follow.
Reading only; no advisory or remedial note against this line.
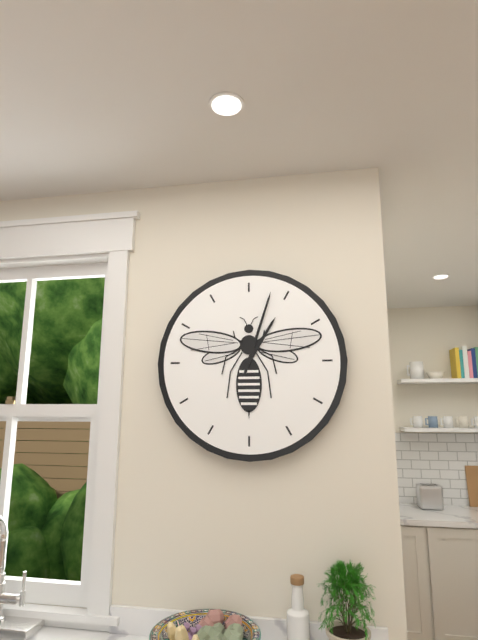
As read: 1h03
